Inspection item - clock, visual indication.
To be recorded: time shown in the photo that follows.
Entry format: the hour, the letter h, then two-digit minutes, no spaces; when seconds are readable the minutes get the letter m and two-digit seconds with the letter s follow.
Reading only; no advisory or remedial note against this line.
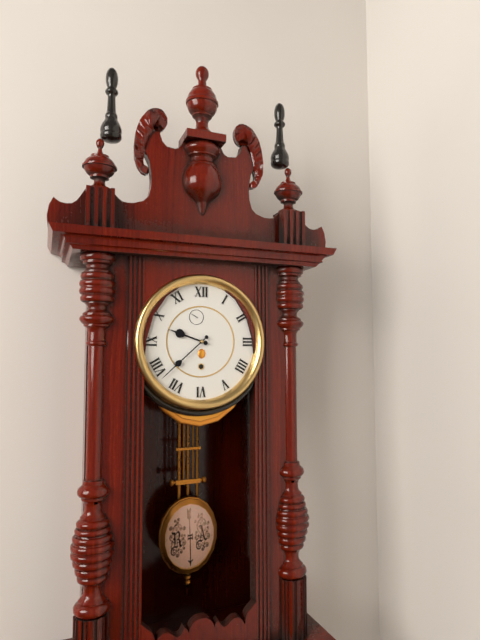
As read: 9h38
